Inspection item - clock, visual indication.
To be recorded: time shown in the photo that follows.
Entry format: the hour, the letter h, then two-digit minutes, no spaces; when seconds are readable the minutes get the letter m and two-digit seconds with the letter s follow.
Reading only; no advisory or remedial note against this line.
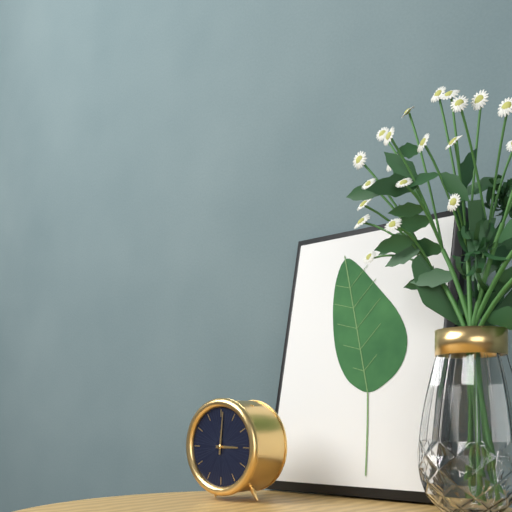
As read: 3h01
